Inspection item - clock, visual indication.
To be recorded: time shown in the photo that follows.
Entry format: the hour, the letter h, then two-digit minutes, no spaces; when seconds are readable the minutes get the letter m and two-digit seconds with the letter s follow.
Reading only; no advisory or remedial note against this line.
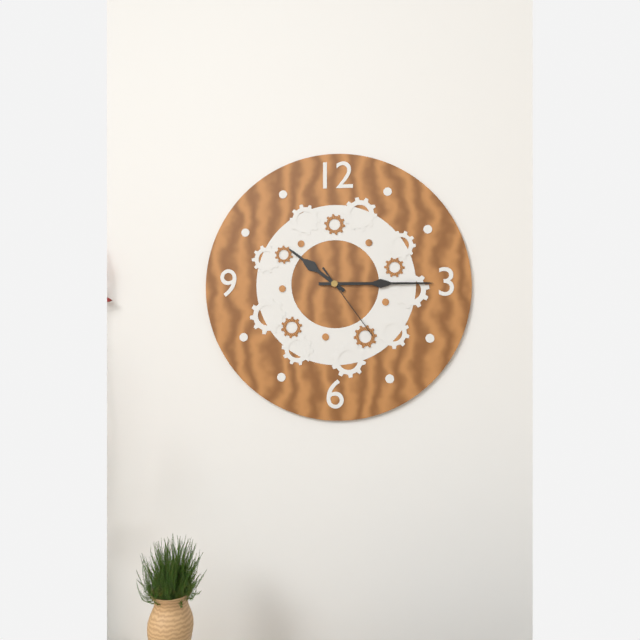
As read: 10h15m24s
